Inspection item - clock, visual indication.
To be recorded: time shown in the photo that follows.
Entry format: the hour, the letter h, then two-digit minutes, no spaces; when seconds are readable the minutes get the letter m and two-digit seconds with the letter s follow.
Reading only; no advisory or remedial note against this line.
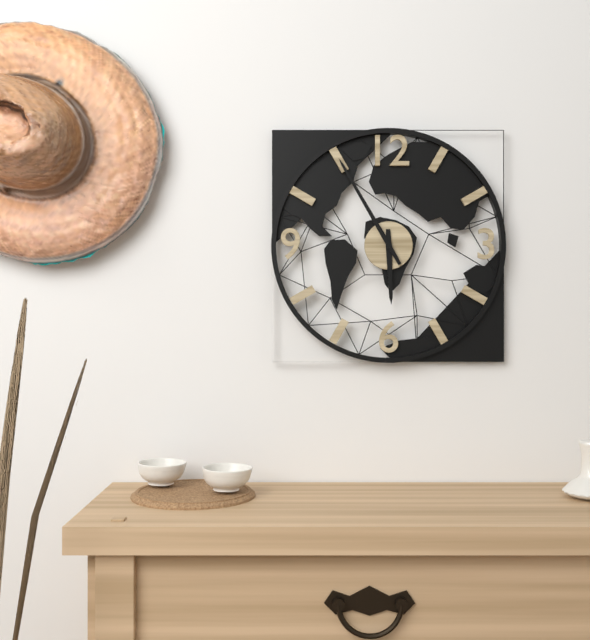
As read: 5h55
